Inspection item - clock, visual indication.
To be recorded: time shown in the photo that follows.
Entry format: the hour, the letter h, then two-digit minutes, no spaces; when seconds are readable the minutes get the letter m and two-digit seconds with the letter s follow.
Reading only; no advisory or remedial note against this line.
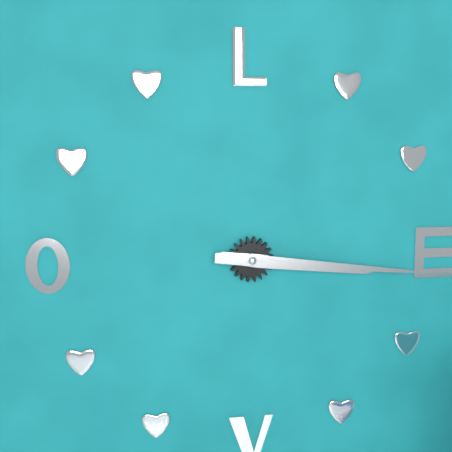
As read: 3h16
